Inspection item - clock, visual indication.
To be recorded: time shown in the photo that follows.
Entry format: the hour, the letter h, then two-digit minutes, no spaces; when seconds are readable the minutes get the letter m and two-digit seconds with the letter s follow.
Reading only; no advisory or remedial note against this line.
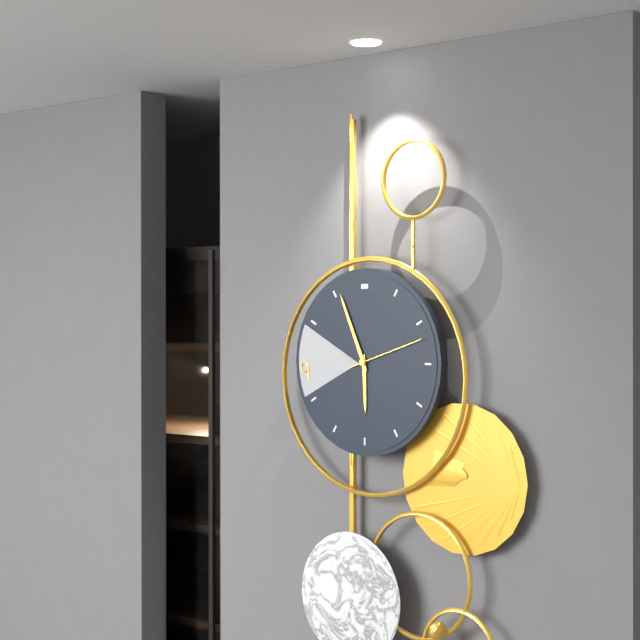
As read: 5h56m12s
